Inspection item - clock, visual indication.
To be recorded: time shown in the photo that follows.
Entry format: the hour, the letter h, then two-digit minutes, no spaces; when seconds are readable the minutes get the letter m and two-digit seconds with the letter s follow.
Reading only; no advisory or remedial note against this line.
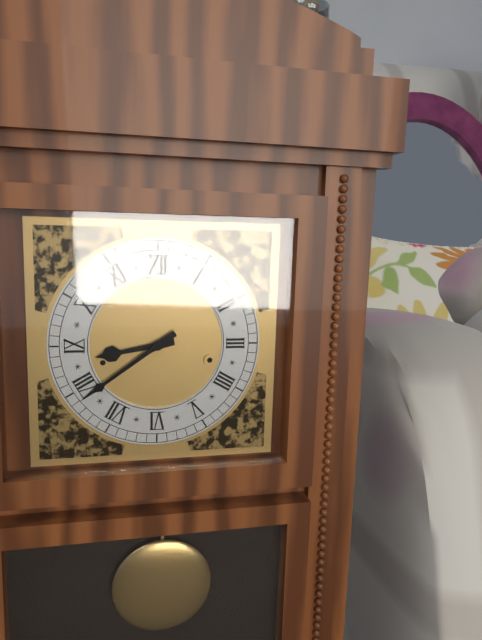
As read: 8h39
